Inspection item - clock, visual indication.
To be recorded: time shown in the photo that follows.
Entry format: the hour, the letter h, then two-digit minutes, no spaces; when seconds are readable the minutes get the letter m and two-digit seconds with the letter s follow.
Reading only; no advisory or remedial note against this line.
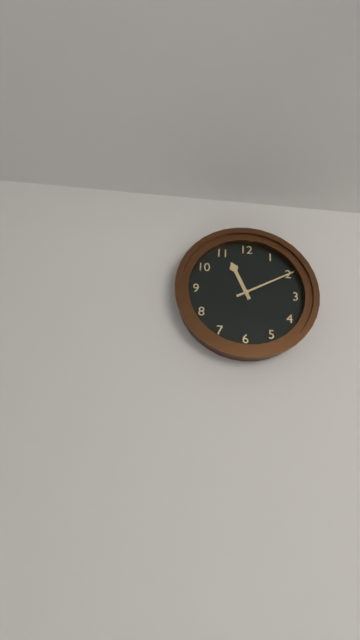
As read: 11h10
